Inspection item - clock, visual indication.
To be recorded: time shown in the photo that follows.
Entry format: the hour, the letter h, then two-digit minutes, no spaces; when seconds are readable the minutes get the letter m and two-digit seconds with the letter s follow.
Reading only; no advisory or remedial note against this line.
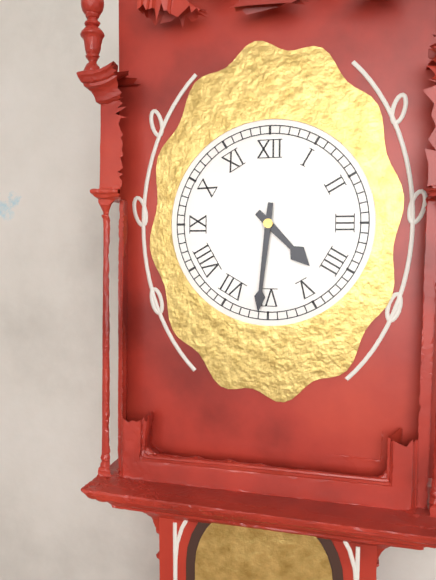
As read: 4h31
